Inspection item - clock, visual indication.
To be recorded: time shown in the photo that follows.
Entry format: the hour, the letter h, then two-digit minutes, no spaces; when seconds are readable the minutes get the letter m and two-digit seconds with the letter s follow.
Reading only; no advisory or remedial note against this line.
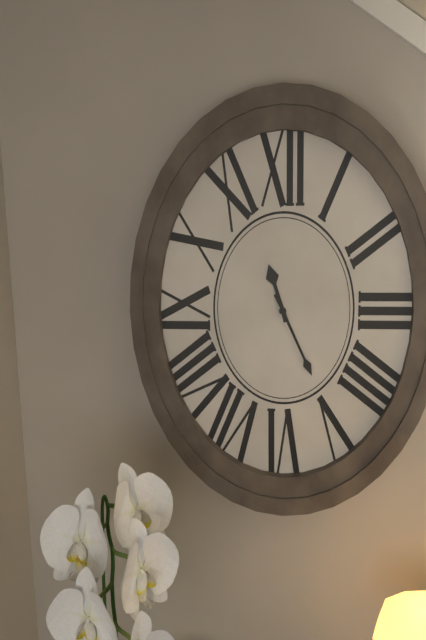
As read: 11h26
